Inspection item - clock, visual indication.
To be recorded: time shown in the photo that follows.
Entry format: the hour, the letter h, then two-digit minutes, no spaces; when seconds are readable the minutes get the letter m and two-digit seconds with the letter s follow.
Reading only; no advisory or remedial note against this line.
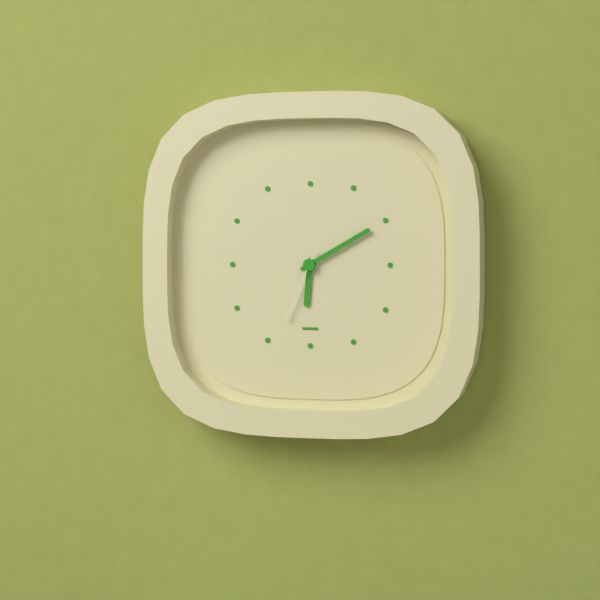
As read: 6h10m34s
